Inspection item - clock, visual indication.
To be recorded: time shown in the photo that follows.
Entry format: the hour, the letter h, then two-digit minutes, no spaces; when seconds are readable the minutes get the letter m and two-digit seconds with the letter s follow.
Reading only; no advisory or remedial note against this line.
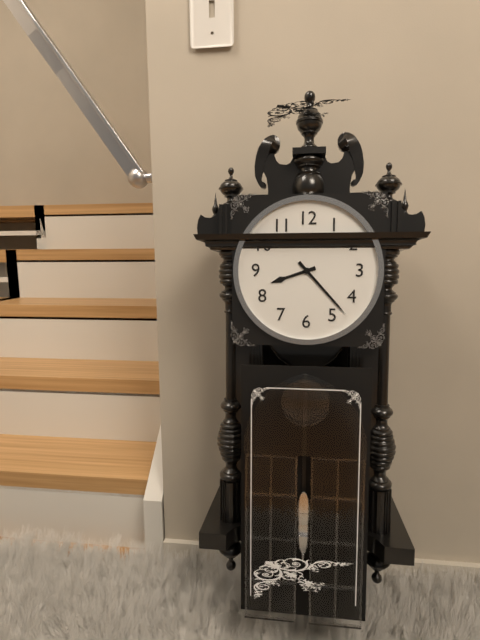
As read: 8h23
